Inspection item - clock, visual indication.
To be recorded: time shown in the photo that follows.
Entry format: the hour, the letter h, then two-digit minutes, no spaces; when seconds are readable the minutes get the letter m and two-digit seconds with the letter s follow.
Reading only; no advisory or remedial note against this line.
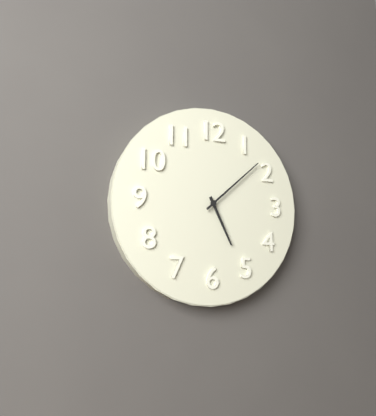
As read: 5h08
